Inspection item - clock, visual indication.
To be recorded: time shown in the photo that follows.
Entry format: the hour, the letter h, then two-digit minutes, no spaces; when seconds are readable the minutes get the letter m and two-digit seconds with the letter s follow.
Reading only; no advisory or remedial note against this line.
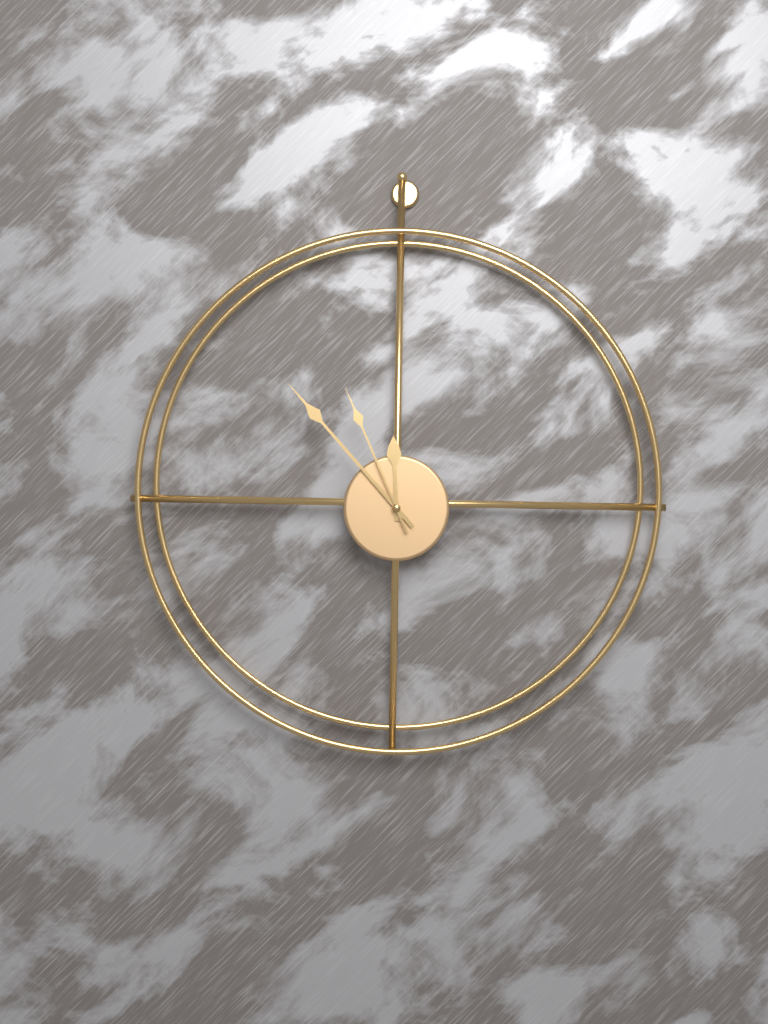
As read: 11h53m56s
